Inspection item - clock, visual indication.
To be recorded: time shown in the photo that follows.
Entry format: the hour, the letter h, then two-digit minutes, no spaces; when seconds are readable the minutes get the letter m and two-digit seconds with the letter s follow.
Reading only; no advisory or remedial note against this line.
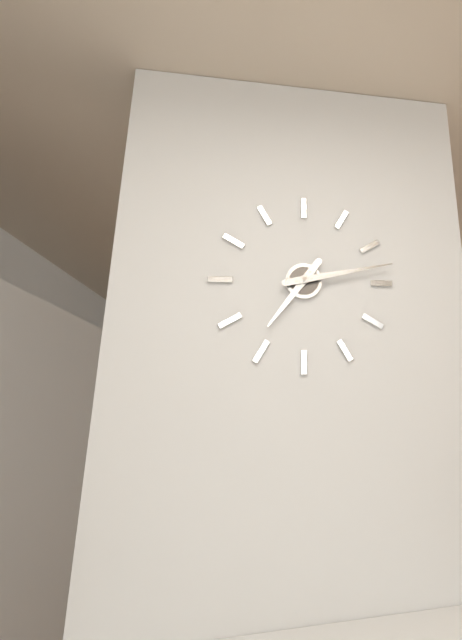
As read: 7h13
